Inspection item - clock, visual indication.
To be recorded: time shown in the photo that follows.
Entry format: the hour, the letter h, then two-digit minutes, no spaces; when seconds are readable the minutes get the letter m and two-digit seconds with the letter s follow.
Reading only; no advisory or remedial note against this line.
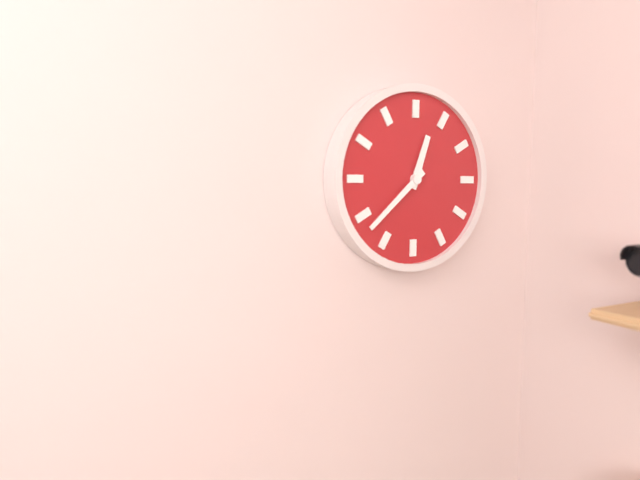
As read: 12h38
